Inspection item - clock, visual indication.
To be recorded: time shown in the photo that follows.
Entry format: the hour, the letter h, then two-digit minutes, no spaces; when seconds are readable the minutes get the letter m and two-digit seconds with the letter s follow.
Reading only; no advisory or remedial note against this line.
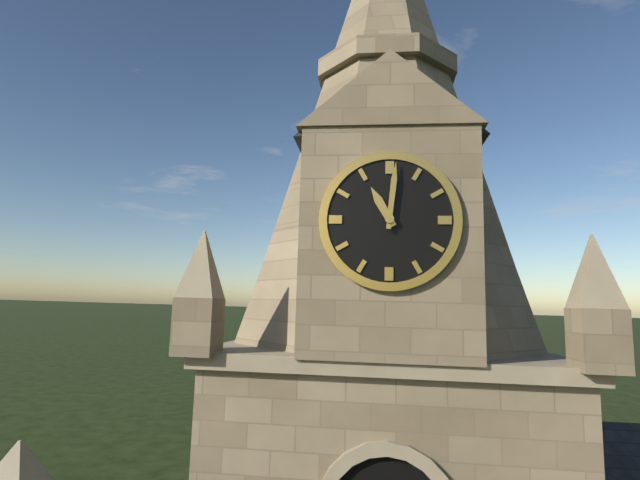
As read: 11h01
